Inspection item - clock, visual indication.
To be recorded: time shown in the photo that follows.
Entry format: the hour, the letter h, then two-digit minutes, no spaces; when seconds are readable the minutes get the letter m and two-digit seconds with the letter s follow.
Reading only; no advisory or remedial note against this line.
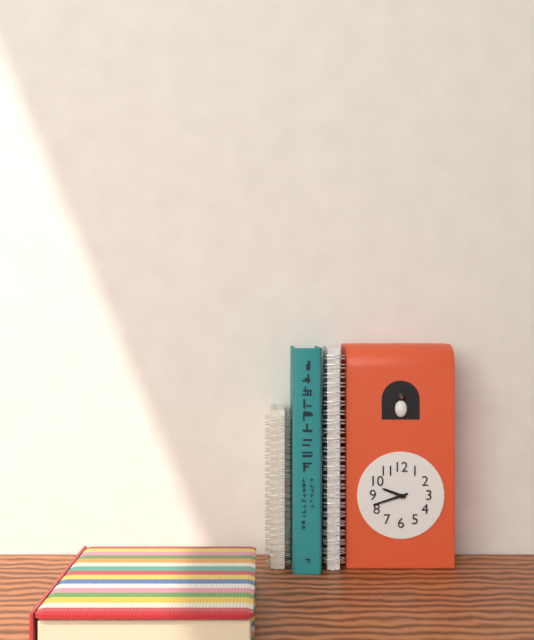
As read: 9h42
